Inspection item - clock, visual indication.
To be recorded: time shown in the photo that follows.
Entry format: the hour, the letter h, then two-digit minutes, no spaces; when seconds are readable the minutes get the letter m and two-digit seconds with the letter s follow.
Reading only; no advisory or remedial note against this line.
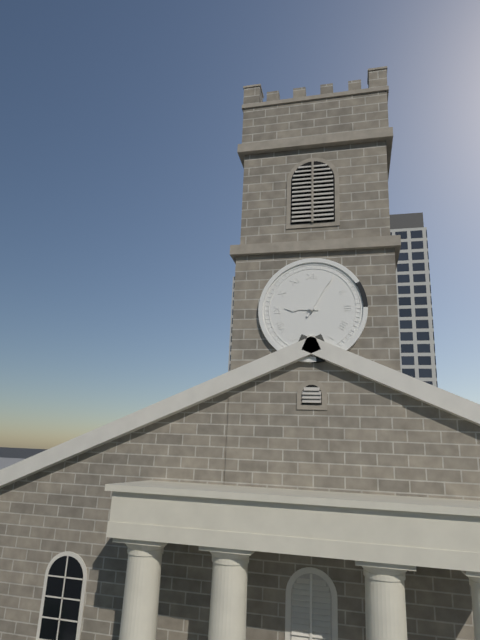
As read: 9h05
